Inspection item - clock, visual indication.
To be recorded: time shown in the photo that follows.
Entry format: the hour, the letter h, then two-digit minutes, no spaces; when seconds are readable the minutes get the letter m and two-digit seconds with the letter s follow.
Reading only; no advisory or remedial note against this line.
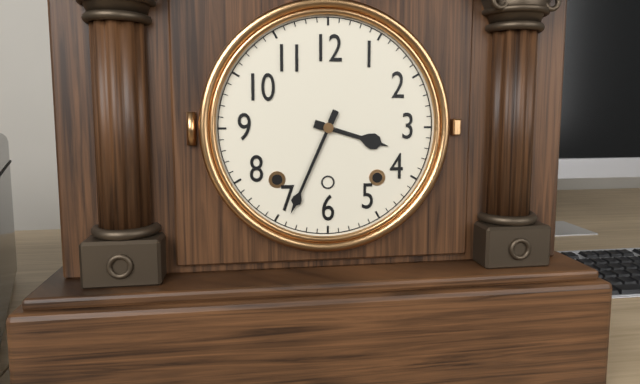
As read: 3h34
